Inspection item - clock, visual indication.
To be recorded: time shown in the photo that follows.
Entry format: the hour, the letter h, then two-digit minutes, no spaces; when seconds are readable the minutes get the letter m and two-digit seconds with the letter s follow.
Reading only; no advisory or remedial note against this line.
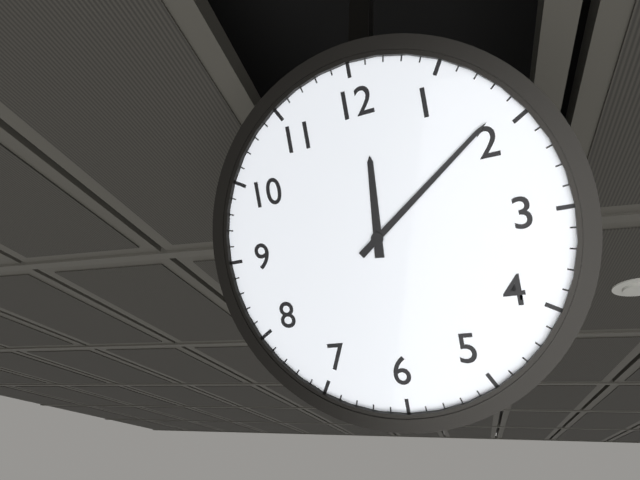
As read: 12h09
